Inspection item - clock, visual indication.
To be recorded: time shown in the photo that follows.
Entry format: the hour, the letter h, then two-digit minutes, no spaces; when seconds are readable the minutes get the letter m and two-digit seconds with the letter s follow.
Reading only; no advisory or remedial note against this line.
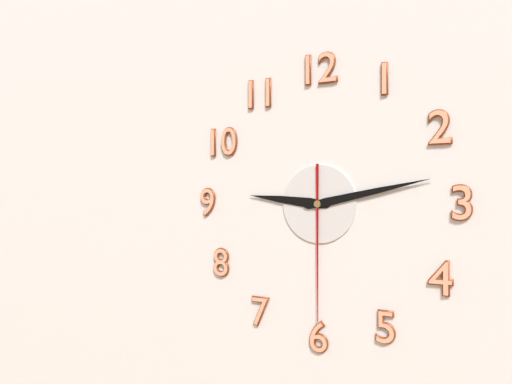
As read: 9h13m30s
